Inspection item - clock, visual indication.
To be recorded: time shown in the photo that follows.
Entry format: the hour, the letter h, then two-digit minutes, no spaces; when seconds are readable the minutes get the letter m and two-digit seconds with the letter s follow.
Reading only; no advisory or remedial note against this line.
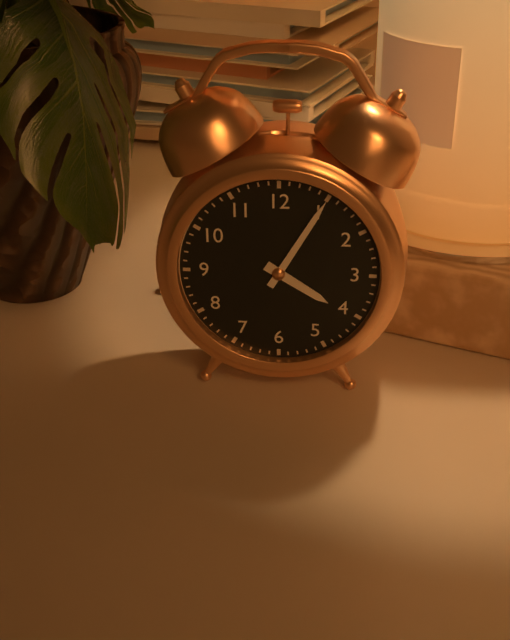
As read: 4h05
